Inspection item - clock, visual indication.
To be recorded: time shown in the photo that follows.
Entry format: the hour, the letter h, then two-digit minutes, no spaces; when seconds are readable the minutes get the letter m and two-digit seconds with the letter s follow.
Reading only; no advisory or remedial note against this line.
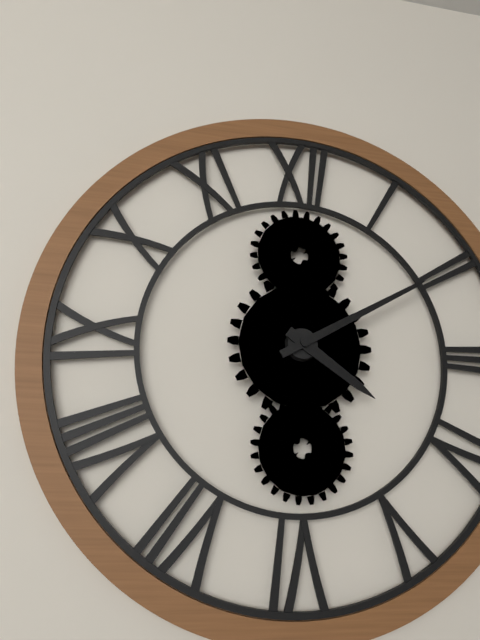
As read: 4h10
